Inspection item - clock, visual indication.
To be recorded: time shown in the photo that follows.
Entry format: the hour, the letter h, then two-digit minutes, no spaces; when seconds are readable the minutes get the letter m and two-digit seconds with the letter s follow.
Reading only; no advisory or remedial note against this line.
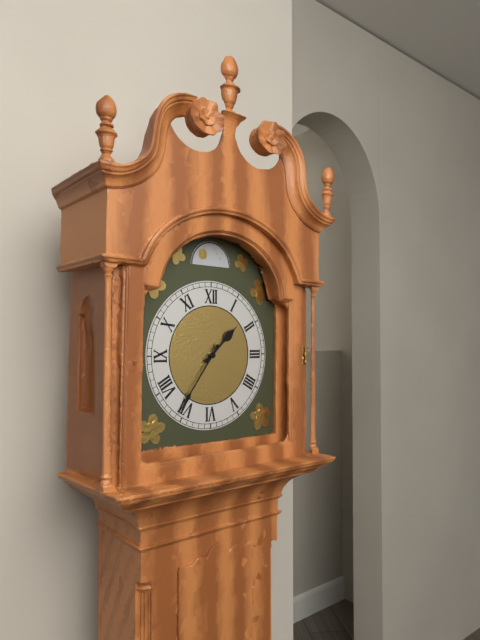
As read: 1h36
